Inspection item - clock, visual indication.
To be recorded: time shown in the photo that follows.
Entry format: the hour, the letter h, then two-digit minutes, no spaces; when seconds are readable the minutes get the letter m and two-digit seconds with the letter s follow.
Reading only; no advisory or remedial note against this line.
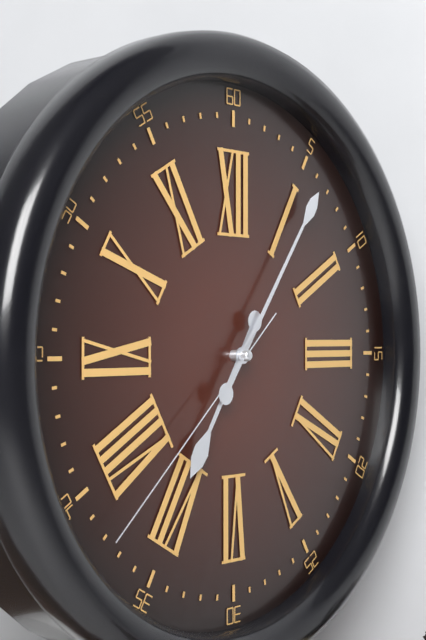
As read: 7h06m38s
